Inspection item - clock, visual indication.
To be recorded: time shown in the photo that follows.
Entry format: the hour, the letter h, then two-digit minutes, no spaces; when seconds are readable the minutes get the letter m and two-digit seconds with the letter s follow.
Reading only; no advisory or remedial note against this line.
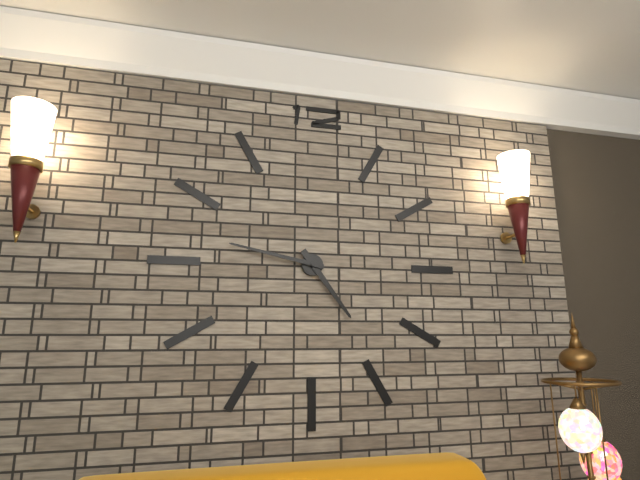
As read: 4h47
